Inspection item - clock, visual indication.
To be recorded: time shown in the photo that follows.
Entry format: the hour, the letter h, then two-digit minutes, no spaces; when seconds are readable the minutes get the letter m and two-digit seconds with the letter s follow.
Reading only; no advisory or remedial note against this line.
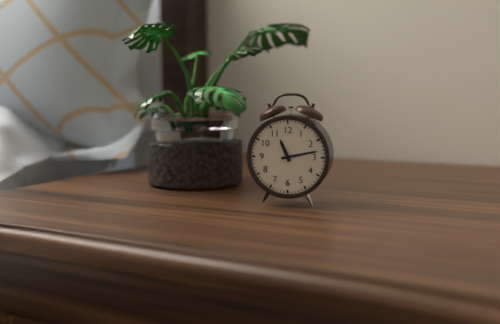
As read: 11h13
